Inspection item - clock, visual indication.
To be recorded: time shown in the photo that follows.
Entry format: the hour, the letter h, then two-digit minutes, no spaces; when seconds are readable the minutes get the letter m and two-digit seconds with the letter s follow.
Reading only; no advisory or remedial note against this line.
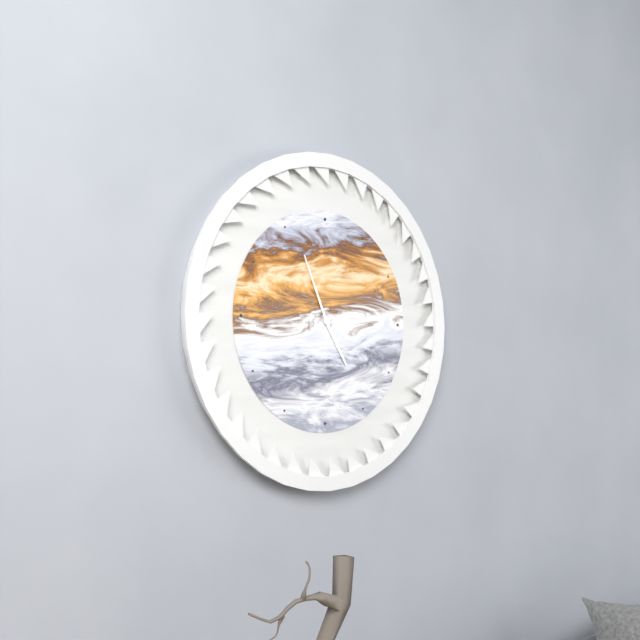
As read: 4h56
